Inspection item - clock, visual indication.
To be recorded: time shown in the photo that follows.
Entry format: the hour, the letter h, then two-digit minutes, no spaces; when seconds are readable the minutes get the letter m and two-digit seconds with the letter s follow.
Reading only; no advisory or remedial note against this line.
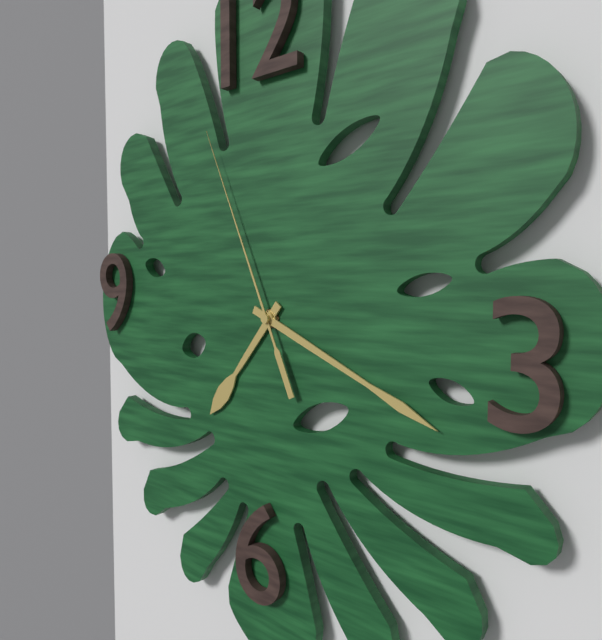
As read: 7h19m56s
